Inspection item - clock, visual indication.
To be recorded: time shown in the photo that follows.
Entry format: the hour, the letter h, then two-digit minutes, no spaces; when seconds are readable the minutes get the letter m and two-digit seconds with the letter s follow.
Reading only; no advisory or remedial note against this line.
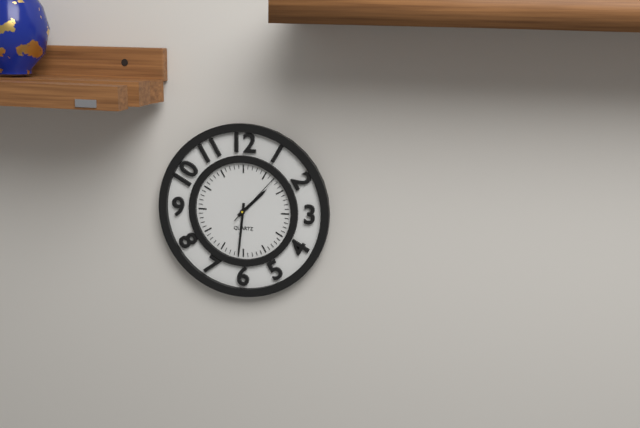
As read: 1h31m07s
